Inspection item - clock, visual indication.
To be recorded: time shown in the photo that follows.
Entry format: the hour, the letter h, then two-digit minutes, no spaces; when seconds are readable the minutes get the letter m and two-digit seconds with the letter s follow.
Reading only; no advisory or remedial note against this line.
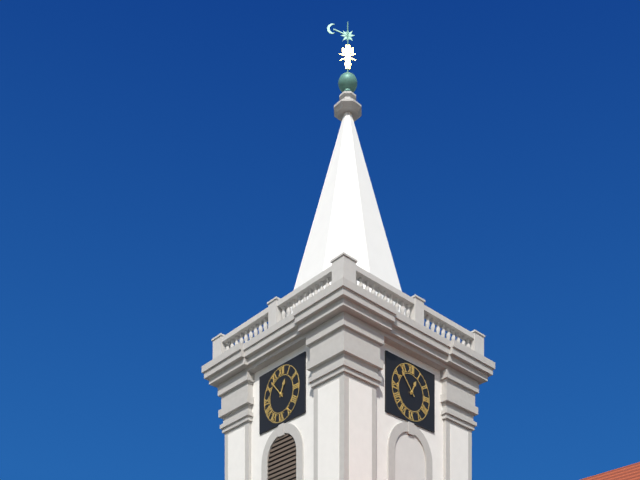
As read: 12h53
